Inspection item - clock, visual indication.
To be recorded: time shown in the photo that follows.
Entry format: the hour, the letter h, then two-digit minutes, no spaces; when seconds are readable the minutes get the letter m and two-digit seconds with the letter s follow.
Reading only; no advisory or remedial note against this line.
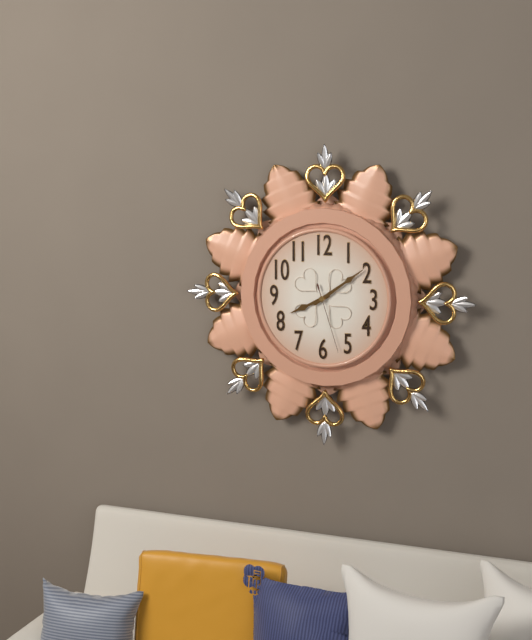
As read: 8h09m27s
